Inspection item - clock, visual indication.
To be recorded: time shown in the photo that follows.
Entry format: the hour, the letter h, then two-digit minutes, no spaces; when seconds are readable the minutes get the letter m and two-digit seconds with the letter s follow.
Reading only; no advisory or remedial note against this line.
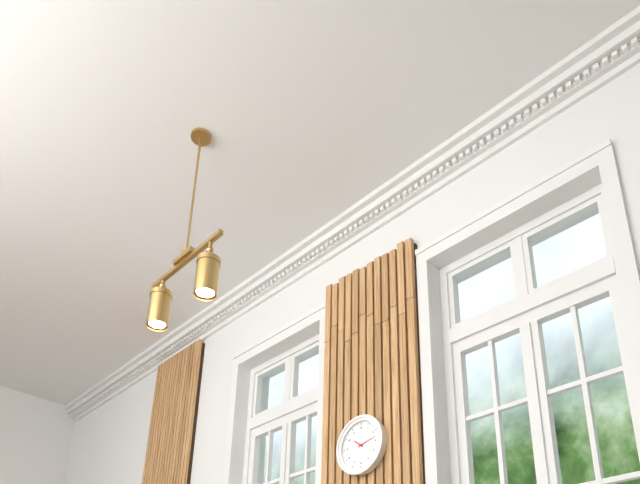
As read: 10h13
